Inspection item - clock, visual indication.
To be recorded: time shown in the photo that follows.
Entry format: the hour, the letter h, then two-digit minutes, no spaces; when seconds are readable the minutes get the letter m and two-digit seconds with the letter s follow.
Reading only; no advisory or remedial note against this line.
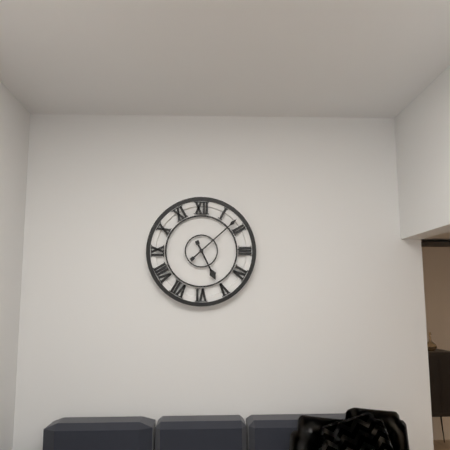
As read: 5h08
